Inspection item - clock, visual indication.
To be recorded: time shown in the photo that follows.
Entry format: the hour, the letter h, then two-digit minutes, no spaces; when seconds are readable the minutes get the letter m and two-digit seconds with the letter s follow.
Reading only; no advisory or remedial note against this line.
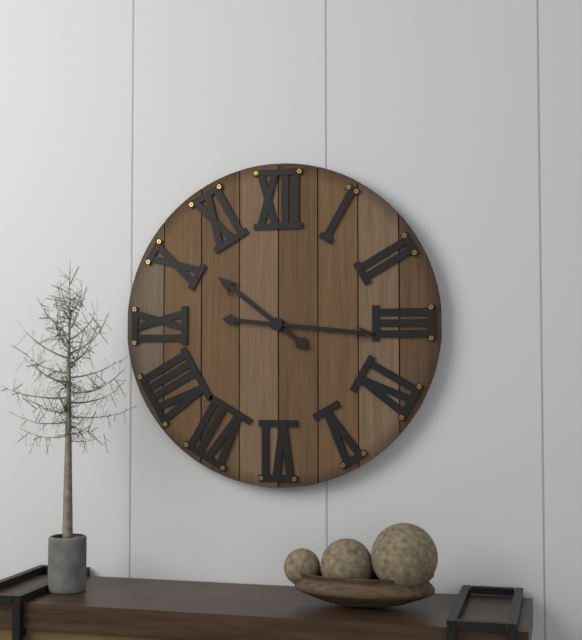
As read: 10h16
